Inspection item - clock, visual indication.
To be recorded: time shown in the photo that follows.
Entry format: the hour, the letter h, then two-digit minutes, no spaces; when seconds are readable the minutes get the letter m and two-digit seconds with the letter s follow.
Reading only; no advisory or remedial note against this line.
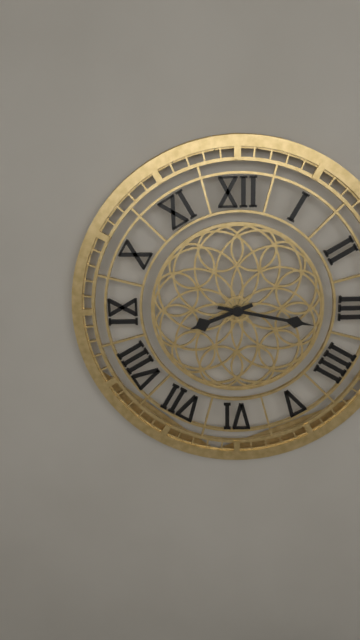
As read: 8h17
